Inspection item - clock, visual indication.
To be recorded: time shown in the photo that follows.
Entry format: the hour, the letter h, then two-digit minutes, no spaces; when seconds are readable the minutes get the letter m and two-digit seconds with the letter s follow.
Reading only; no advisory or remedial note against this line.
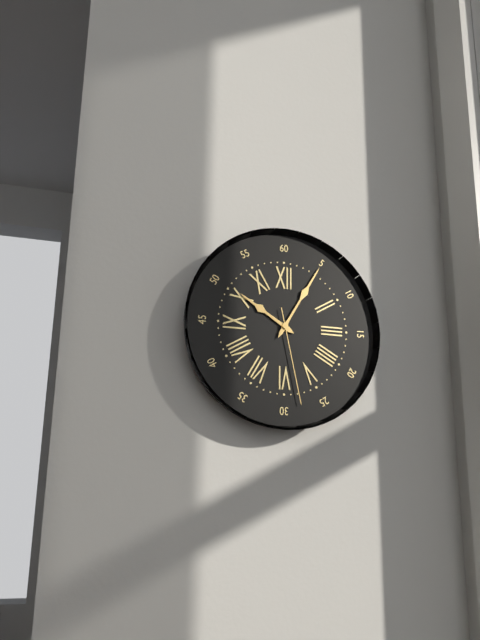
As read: 10h05m28s
